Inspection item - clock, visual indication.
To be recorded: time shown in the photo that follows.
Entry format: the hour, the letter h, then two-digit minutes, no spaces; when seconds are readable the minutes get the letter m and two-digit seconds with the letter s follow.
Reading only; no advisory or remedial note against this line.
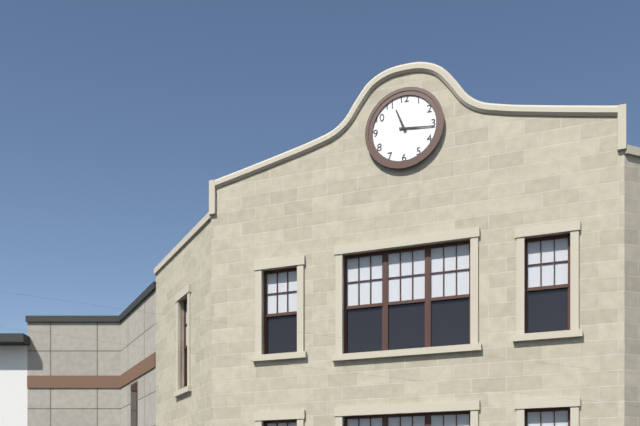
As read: 11h16
